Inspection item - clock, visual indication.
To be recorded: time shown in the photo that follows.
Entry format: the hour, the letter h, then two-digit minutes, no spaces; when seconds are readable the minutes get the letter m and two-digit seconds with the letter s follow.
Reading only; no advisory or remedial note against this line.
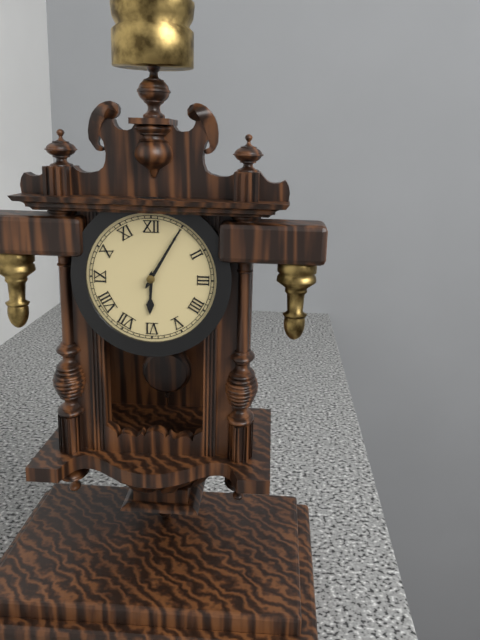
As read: 6h05
